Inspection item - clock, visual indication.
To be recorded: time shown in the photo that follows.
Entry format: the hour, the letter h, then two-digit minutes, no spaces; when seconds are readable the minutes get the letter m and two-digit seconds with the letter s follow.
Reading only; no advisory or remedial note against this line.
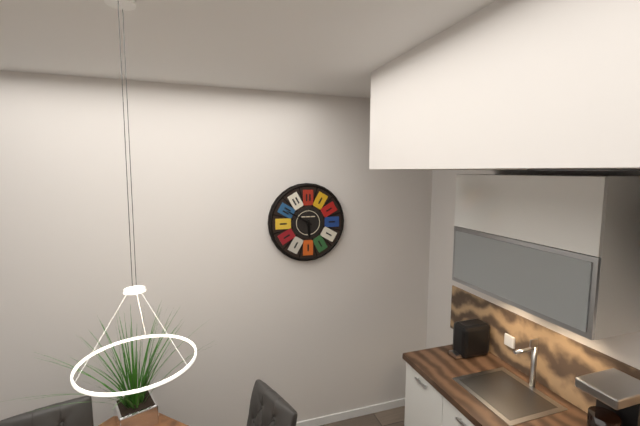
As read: 5h50
